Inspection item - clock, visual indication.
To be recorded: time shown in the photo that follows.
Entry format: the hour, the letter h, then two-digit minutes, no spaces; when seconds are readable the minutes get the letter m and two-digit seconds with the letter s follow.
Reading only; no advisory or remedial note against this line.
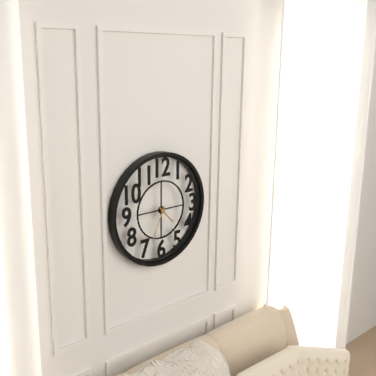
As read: 4h34
